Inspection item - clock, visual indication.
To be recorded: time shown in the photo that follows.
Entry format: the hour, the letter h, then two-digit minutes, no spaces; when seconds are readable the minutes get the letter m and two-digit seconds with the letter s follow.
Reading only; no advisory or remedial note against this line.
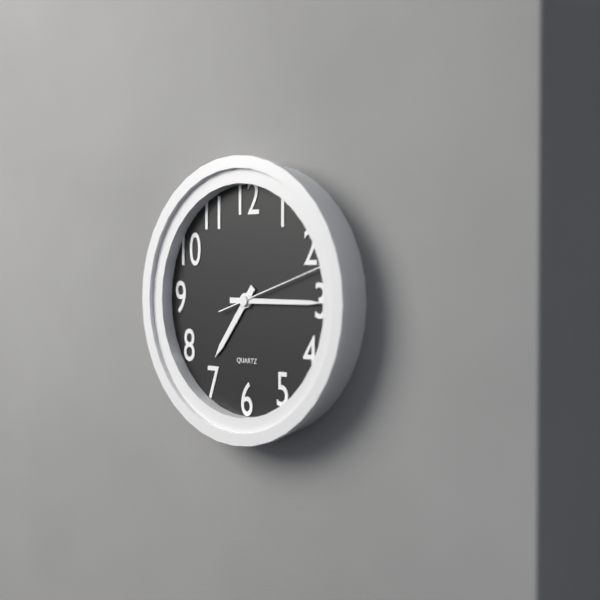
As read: 7h15m12s
